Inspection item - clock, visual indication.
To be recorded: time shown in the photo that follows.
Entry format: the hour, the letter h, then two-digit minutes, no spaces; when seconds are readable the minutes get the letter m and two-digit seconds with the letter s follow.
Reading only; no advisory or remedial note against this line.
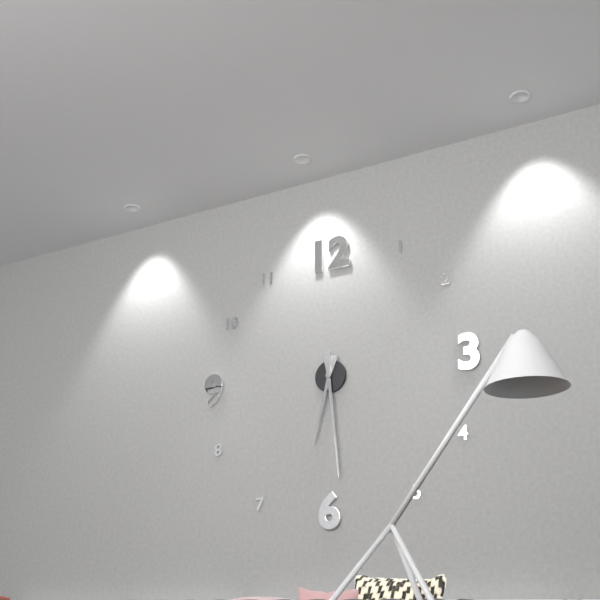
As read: 6h29
